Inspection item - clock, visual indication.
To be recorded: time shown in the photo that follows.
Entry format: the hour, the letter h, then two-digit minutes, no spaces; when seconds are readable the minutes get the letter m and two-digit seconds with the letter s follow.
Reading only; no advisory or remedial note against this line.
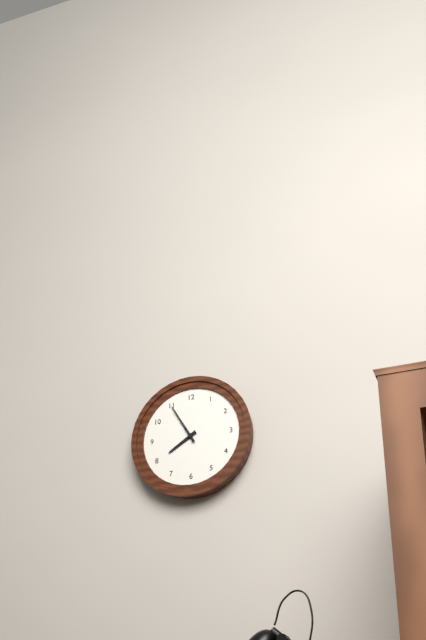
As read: 7h55
